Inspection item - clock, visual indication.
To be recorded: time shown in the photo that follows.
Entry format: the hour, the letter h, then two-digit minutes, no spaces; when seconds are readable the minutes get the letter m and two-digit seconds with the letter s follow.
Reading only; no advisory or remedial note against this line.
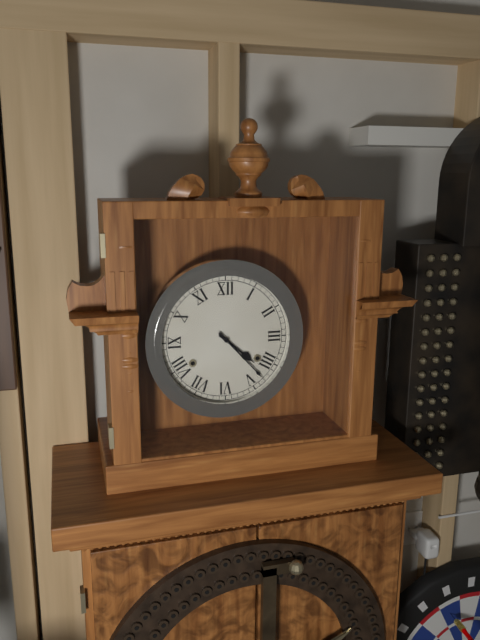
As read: 4h23
